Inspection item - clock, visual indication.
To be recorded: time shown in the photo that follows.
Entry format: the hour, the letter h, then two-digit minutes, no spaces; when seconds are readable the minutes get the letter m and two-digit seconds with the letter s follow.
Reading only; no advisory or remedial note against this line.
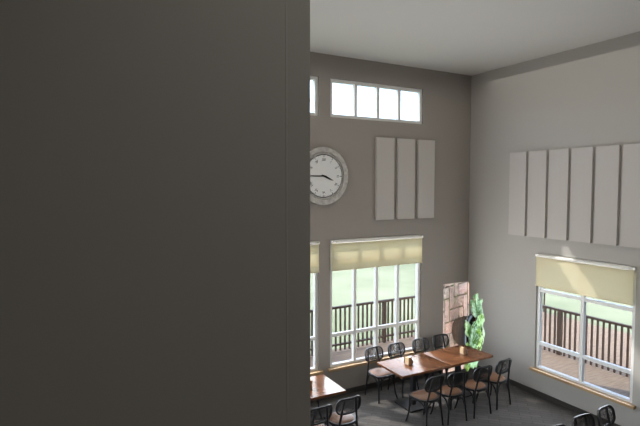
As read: 3h45
